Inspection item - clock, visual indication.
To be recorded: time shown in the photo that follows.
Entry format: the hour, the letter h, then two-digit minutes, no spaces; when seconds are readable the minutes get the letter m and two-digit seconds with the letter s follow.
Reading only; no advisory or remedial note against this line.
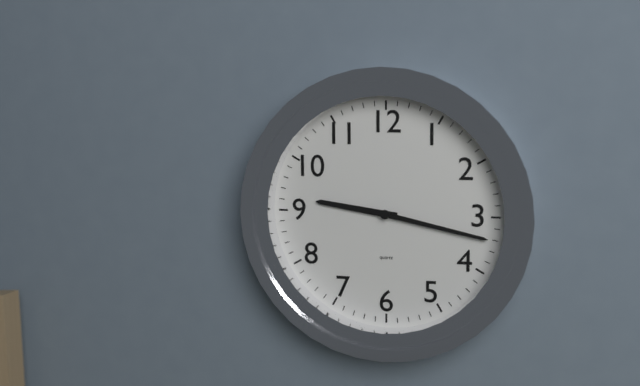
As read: 9h17
